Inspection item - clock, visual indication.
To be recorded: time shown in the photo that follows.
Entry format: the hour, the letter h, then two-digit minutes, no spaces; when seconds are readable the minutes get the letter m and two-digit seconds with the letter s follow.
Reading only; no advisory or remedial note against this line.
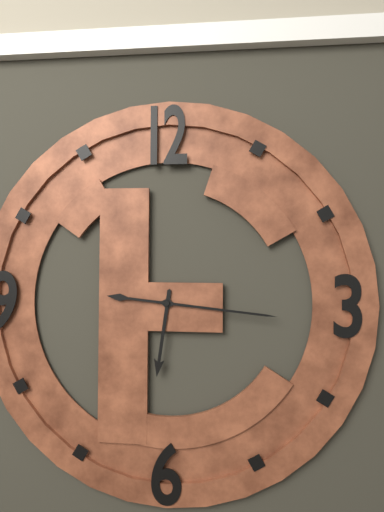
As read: 6h16
